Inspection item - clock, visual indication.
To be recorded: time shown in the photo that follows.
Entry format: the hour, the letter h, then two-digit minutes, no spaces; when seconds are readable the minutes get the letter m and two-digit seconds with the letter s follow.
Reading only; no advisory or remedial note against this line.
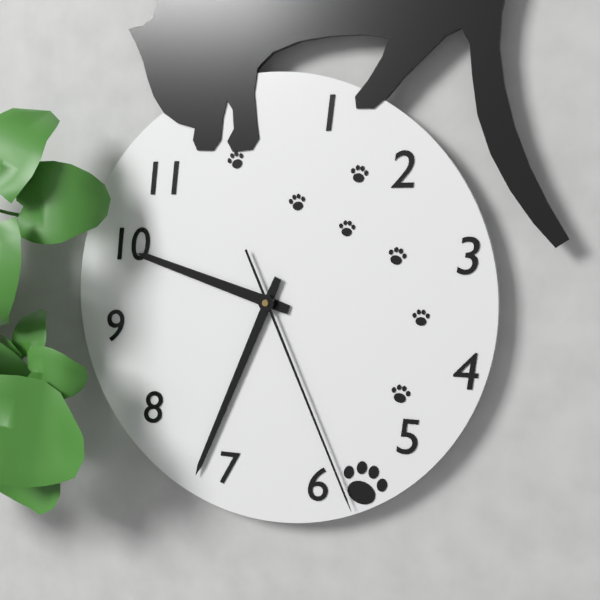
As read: 9h34m26s
